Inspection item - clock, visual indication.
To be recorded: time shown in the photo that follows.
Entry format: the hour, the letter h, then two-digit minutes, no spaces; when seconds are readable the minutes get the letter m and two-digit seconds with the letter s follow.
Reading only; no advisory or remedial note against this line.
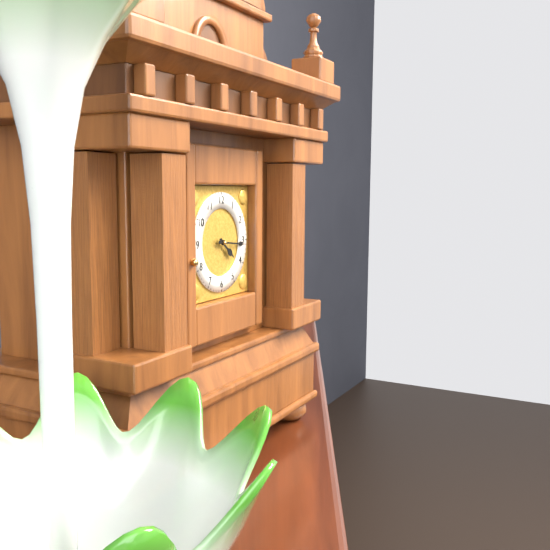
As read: 4h16
